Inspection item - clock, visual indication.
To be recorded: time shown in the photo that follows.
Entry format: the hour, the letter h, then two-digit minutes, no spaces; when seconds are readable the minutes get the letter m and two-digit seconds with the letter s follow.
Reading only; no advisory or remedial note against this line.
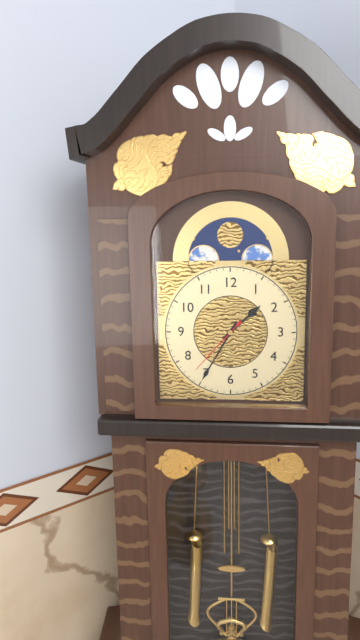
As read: 1h35m37s
